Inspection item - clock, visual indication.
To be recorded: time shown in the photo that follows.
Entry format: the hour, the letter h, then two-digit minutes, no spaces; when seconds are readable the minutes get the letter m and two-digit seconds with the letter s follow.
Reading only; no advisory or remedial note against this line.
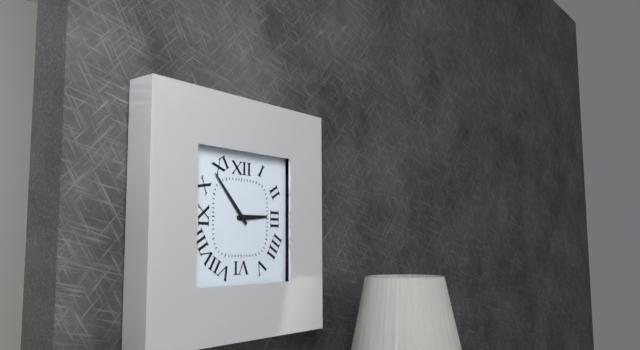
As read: 2h53
